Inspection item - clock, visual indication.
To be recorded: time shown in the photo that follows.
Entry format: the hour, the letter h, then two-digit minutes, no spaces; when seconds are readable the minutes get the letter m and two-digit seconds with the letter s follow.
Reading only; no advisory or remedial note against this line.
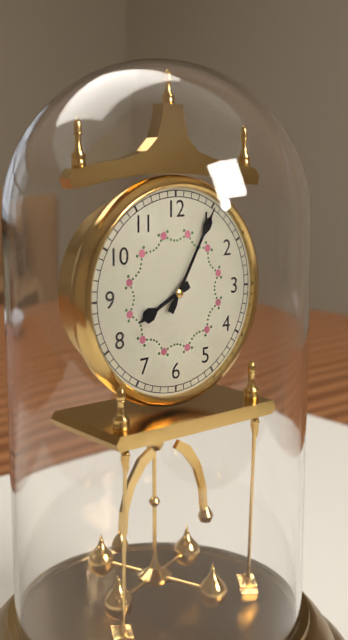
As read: 8h05
